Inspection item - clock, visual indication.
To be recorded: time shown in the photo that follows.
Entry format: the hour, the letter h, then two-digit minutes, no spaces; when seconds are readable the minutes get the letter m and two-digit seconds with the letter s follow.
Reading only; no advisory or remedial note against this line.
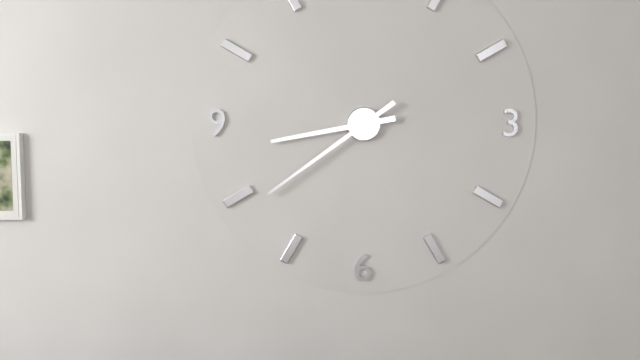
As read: 8h39
